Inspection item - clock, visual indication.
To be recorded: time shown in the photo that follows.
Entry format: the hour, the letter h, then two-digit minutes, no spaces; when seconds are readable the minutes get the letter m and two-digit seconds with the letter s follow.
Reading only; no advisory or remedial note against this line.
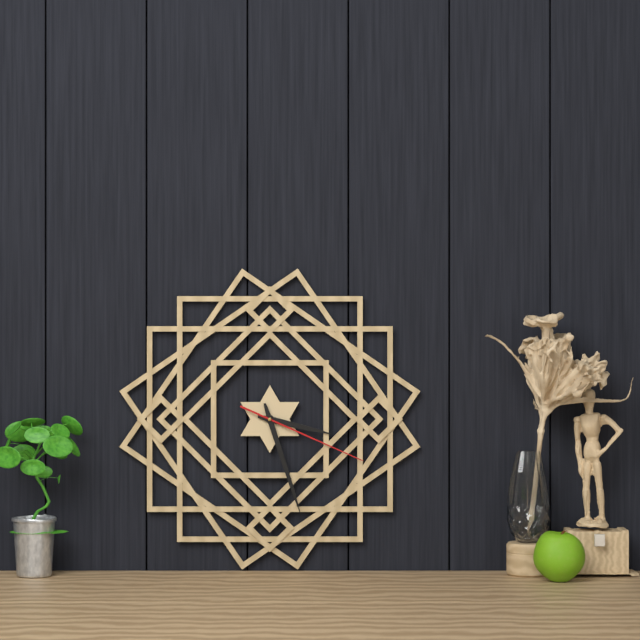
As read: 3h27m19s
